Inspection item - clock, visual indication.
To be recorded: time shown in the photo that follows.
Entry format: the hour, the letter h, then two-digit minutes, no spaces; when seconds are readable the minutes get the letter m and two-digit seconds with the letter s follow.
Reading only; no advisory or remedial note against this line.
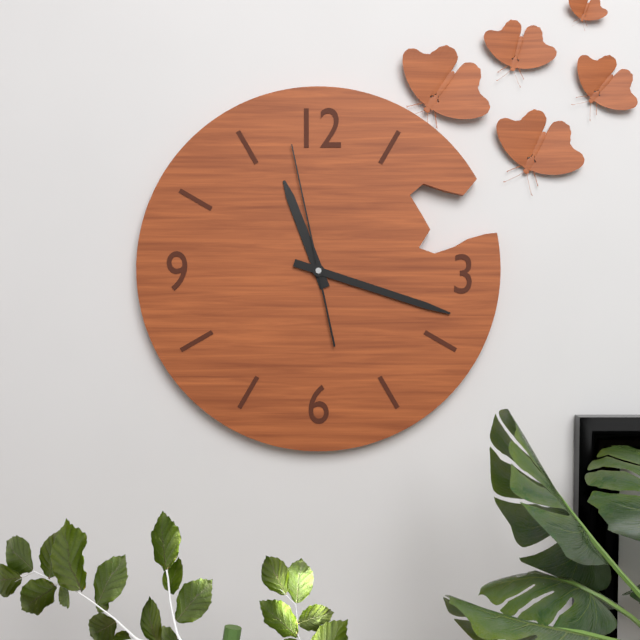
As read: 11h18m58s
